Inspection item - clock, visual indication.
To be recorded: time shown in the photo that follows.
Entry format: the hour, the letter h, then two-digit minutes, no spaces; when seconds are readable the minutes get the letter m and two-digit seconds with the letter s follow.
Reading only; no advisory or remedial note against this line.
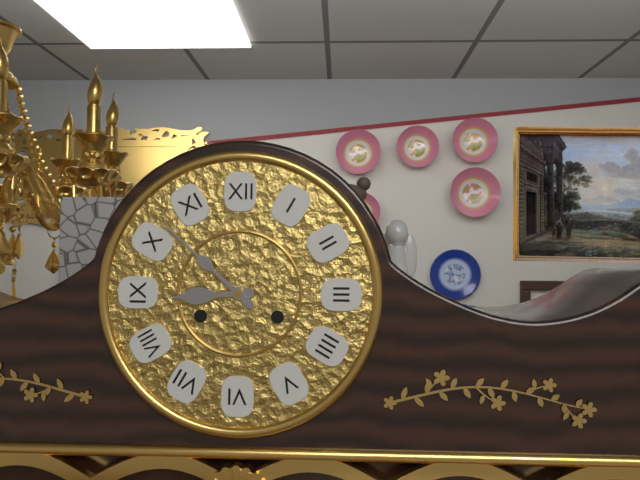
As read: 8h52
